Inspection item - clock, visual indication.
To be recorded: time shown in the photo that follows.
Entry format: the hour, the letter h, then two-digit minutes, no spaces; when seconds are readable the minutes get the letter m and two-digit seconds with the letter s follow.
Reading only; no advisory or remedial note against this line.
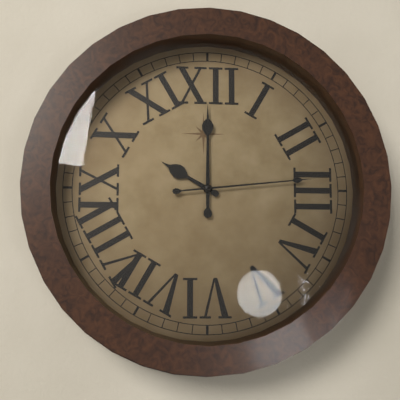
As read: 10h00m14s
